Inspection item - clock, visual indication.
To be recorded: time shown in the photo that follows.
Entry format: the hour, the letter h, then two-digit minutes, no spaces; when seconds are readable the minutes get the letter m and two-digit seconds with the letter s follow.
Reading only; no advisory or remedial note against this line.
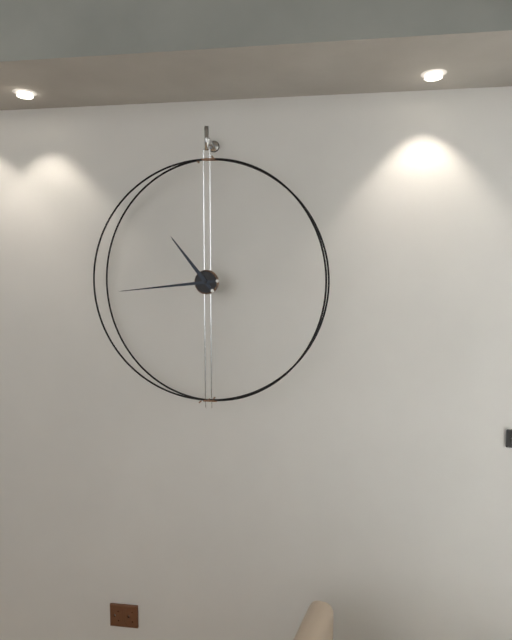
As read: 10h44
